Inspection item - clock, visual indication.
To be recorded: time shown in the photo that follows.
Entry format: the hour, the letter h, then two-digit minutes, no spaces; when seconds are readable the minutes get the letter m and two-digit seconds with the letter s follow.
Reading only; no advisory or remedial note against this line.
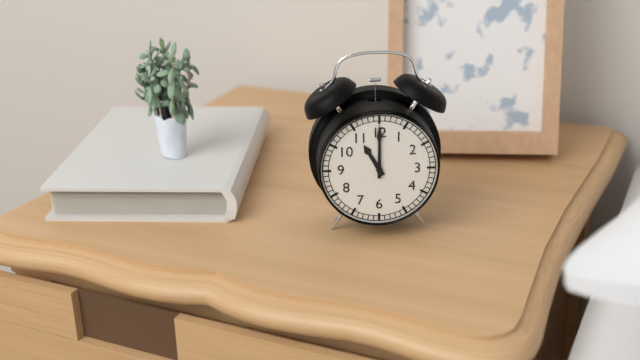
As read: 11h00
